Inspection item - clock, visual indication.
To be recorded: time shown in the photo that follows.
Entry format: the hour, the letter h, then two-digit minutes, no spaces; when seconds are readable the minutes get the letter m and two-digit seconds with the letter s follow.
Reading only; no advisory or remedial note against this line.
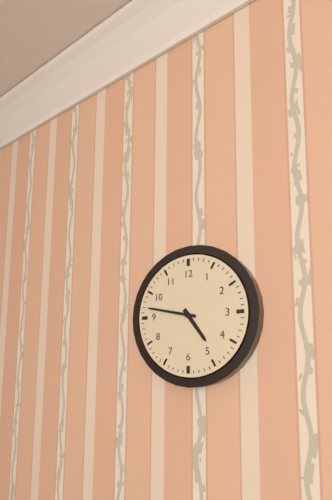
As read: 4h47
